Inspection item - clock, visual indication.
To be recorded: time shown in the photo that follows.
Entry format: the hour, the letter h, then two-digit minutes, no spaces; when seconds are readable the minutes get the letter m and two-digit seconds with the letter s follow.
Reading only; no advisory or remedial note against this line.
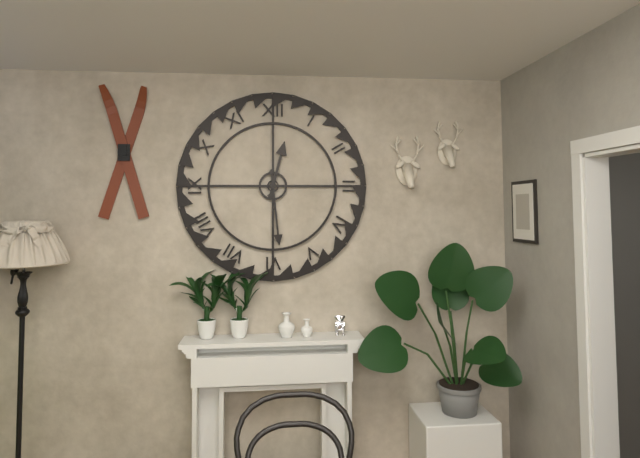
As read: 12h29
